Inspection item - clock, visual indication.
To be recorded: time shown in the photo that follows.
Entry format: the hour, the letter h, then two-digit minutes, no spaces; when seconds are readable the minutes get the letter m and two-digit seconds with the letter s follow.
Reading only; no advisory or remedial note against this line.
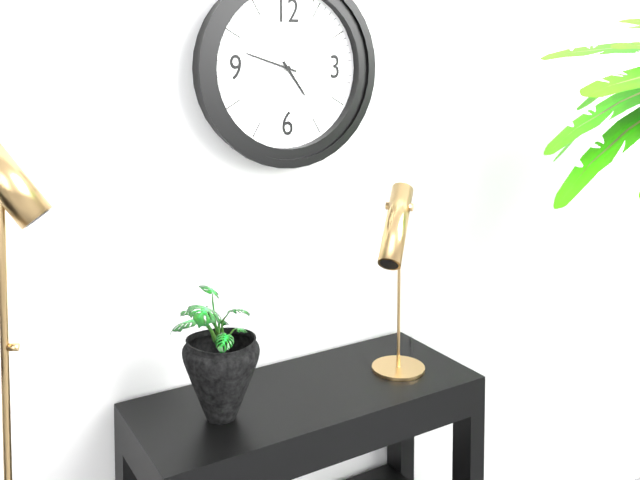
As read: 4h48
